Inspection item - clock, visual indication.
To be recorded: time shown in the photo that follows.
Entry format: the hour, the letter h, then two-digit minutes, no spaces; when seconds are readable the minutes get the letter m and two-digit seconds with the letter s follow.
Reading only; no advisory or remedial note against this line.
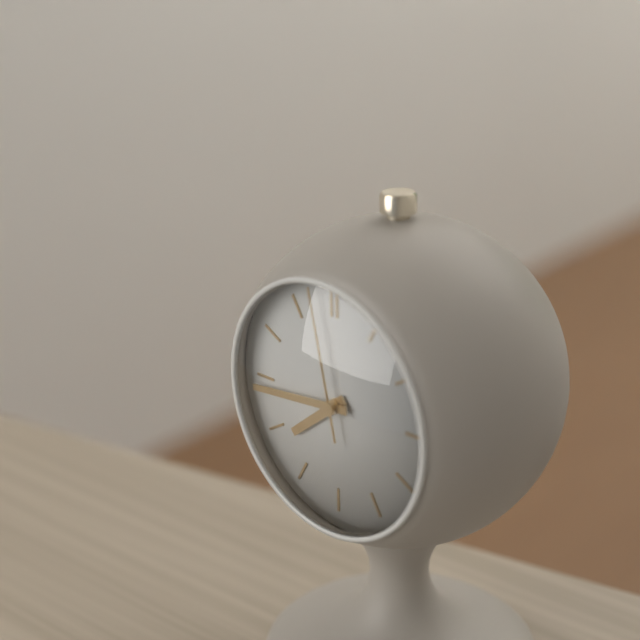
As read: 7h44m58s
